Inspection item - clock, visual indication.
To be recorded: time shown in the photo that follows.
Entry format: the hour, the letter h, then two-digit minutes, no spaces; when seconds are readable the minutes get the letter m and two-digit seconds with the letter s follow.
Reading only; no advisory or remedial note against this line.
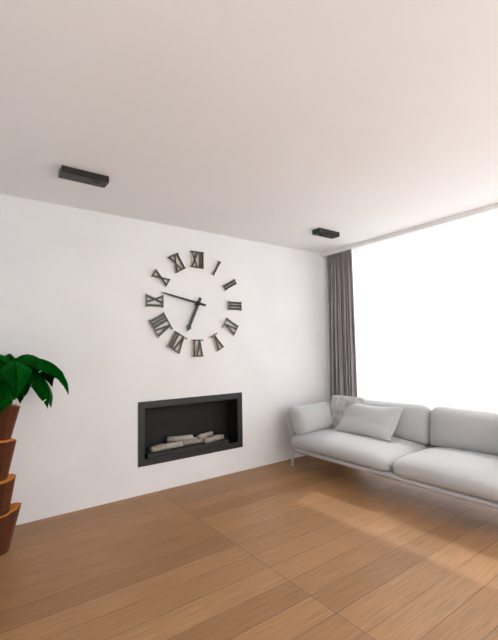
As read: 6h47
